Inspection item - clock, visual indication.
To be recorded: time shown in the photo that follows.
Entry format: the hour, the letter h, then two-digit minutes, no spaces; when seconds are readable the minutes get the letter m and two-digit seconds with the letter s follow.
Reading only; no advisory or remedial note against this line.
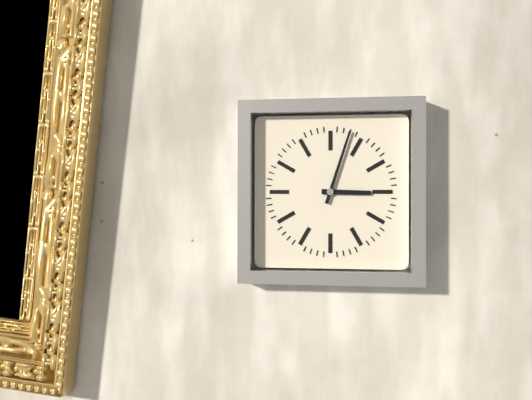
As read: 3h03
